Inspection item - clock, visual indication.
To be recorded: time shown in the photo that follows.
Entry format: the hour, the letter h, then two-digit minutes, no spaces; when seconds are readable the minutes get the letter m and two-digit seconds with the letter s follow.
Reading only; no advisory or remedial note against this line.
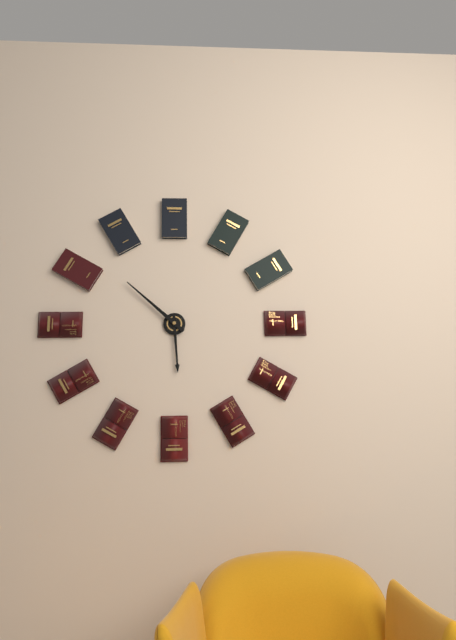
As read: 5h52
